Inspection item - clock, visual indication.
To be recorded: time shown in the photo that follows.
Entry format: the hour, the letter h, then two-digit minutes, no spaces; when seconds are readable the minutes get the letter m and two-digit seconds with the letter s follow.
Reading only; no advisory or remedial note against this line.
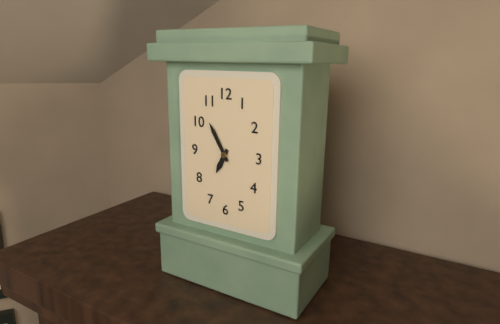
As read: 6h55
